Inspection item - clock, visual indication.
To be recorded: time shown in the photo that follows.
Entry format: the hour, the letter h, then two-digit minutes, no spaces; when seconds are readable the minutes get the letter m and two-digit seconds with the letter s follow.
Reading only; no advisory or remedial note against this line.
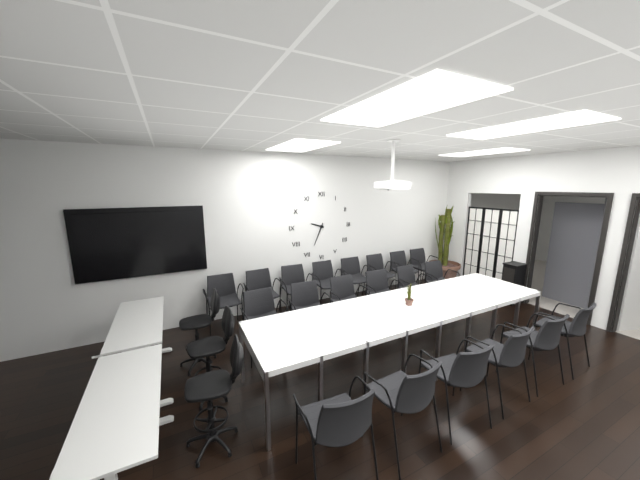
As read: 9h34
